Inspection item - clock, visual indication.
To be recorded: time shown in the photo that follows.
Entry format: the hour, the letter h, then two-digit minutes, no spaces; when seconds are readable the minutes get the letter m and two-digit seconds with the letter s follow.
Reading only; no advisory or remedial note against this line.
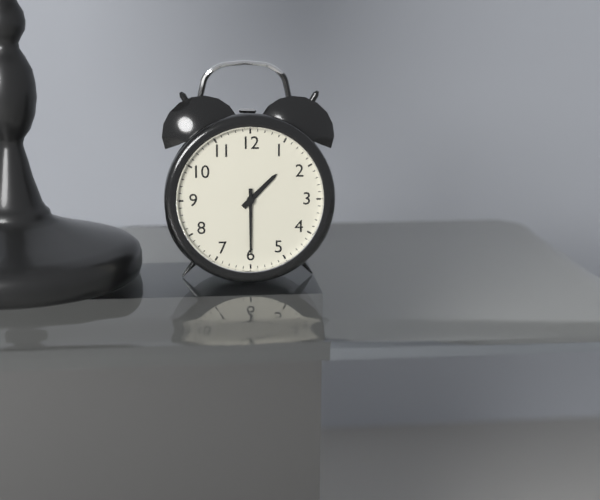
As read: 1h30
